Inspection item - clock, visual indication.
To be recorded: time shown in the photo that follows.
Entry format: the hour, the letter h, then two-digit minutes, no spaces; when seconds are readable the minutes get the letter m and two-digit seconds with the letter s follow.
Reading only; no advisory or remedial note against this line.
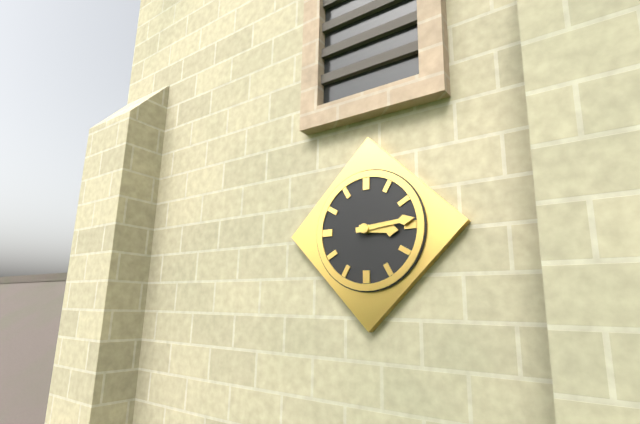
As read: 3h14
